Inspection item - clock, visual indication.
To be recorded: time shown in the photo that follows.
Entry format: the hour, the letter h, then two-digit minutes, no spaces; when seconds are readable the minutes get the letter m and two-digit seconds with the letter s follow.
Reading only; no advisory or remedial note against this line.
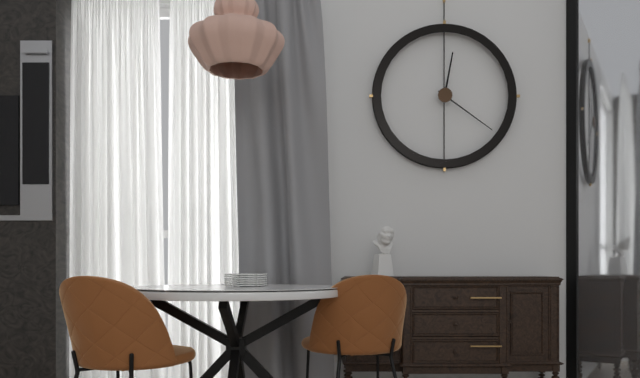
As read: 12h21
